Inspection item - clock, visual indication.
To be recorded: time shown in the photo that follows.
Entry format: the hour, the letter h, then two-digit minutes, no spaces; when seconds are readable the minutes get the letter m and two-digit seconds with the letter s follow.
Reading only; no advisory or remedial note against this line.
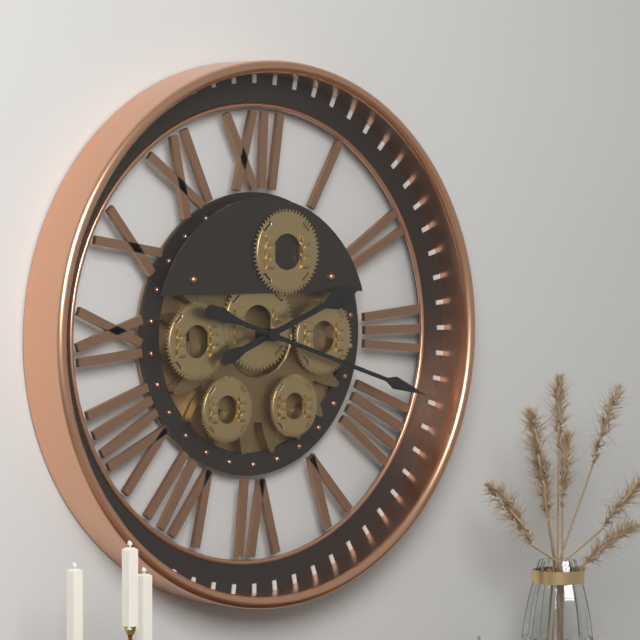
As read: 2h18
